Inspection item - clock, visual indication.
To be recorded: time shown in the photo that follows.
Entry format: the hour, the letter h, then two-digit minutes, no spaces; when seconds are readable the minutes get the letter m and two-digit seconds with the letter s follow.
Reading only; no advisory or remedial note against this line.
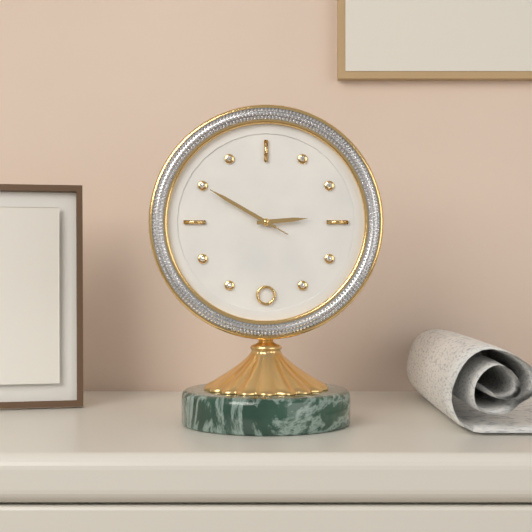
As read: 2h50m50s
